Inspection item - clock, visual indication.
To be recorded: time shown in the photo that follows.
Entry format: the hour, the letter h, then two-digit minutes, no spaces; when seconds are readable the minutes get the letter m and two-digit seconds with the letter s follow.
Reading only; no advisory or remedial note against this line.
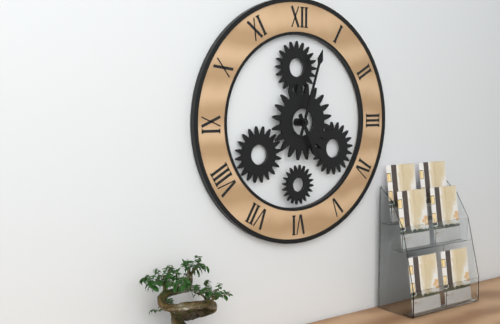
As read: 5h03
